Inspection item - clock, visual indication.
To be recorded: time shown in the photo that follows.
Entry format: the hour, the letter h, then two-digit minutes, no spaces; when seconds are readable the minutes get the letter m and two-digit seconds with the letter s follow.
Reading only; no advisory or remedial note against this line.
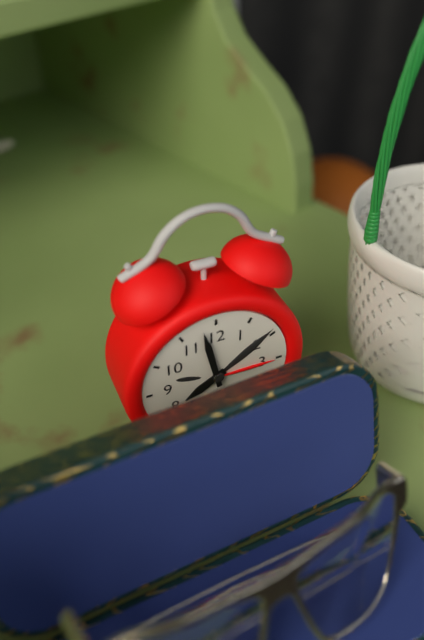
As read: 7h58
